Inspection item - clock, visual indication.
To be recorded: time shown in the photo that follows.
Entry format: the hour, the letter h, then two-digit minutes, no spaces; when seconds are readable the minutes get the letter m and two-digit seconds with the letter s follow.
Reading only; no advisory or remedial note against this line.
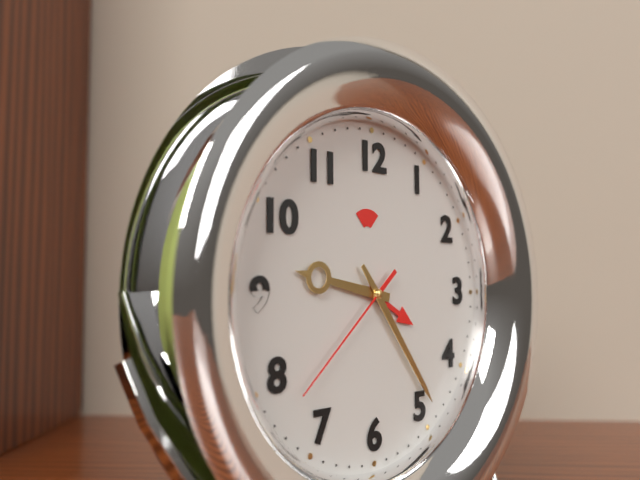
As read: 9h24m38s
